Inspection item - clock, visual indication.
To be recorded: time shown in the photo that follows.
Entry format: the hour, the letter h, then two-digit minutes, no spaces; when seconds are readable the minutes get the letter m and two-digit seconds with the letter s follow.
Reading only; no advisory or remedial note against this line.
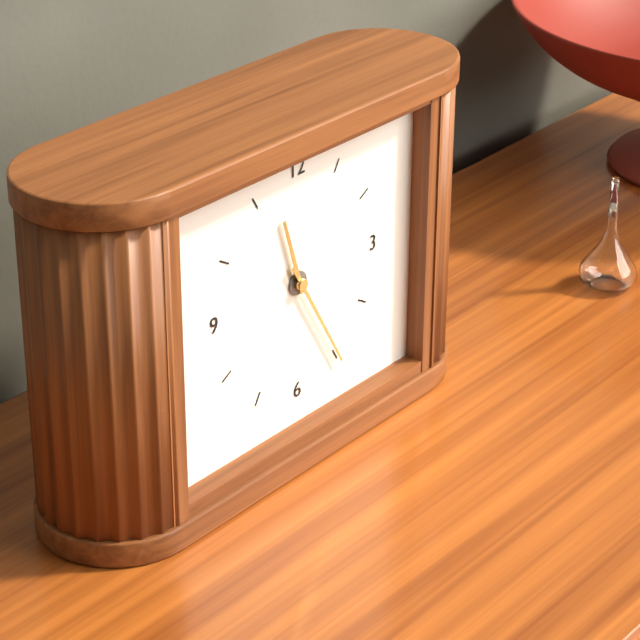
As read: 11h25
